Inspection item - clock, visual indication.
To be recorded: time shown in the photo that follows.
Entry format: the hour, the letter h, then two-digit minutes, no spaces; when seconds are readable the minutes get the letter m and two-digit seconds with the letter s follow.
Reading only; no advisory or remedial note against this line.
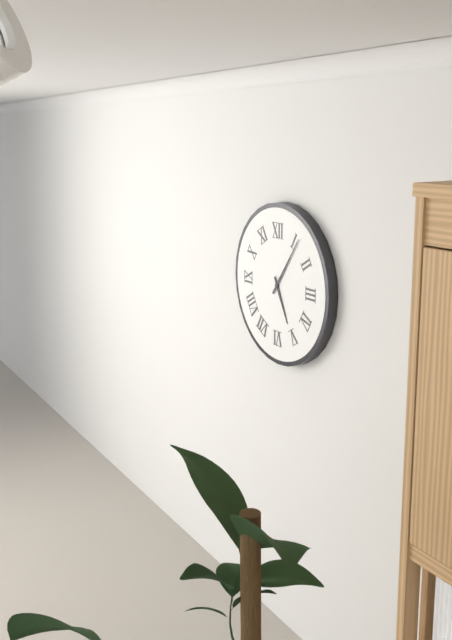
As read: 5h06
